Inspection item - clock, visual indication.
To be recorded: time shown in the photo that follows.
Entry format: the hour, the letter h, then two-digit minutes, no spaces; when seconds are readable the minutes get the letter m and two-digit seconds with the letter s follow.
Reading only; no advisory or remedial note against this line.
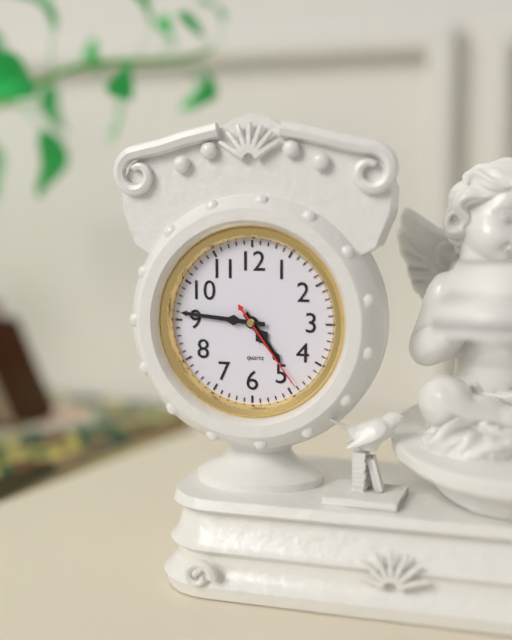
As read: 4h46m24s
